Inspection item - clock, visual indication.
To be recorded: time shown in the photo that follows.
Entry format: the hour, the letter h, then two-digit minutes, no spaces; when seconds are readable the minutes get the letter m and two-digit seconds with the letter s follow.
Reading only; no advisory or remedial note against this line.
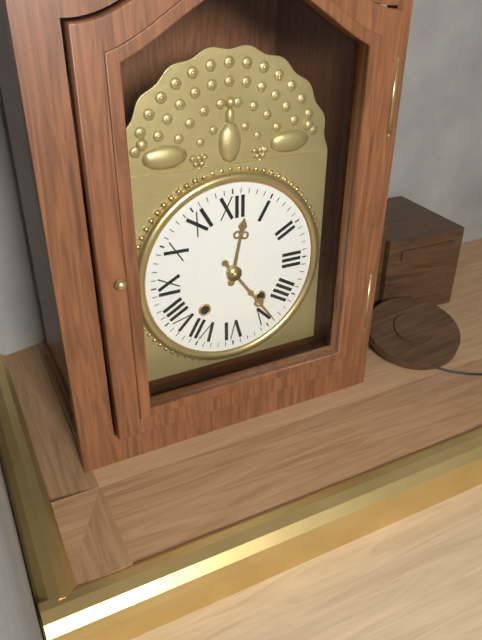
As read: 12h24
